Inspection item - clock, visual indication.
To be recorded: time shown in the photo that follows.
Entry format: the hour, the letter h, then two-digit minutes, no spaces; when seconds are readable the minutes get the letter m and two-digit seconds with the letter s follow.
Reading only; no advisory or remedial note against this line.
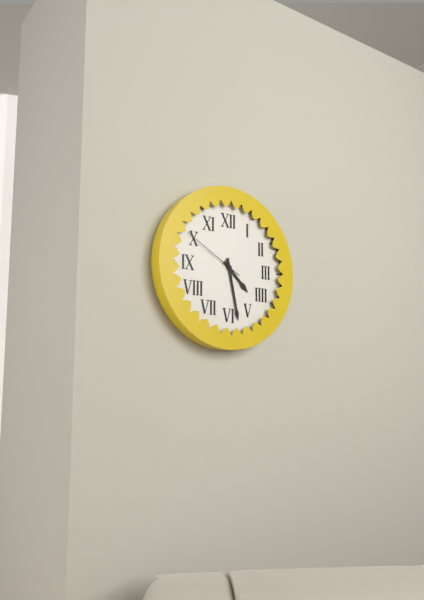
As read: 4h28m50s
